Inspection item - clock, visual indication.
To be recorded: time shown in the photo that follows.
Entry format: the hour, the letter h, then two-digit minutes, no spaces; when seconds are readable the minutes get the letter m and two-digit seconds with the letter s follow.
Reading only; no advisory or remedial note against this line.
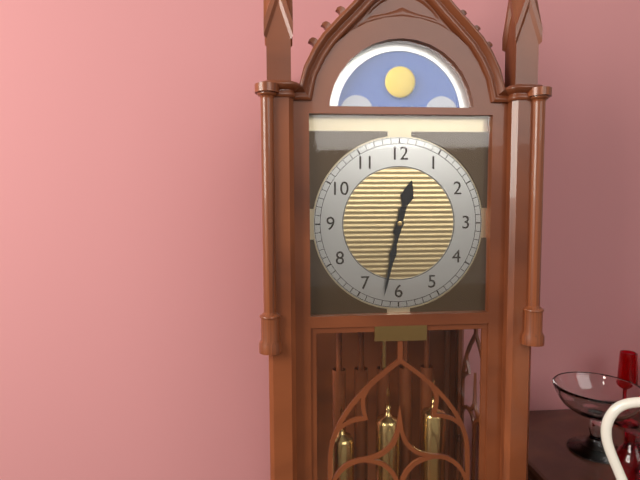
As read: 12h32
